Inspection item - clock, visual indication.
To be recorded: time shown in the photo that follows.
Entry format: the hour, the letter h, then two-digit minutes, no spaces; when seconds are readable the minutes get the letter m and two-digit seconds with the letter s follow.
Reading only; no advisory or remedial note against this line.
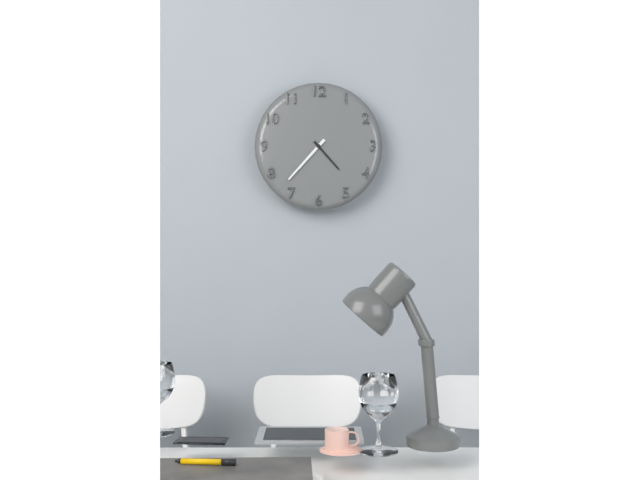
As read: 4h37
